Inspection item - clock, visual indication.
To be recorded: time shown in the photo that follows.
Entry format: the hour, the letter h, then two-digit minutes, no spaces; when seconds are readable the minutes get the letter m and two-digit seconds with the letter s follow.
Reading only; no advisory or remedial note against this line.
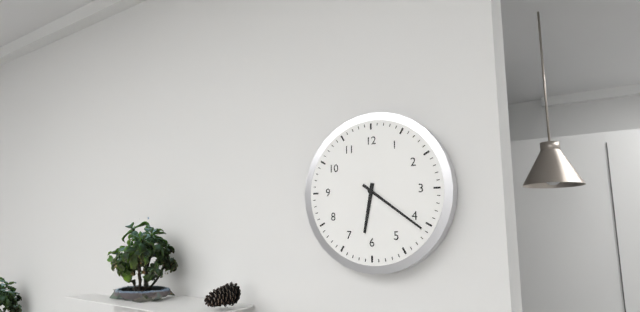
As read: 6h21
